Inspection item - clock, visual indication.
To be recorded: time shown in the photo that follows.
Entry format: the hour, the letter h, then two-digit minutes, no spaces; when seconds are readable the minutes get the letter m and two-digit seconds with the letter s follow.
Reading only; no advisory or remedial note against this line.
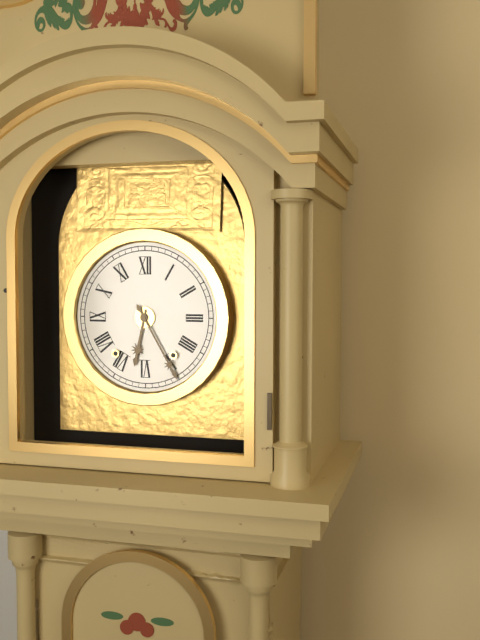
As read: 6h25
